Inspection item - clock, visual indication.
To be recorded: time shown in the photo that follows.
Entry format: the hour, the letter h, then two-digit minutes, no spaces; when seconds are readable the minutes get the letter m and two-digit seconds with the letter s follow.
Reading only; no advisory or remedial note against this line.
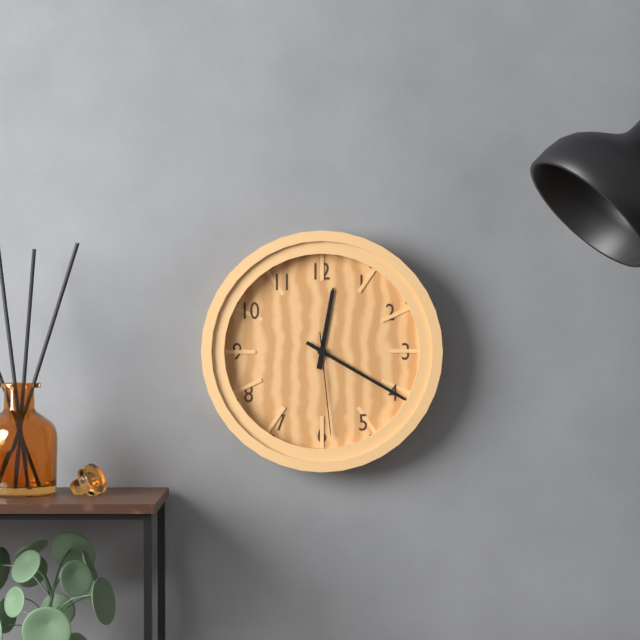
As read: 12h20m29s
